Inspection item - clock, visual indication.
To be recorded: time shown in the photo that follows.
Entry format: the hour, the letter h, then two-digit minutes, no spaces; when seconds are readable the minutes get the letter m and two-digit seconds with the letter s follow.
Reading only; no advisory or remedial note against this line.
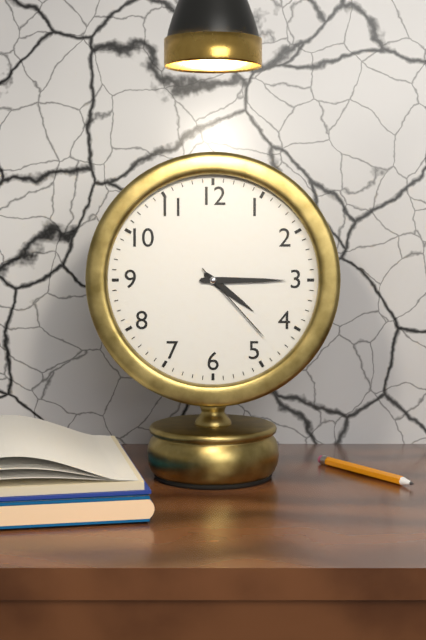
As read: 4h15m23s
